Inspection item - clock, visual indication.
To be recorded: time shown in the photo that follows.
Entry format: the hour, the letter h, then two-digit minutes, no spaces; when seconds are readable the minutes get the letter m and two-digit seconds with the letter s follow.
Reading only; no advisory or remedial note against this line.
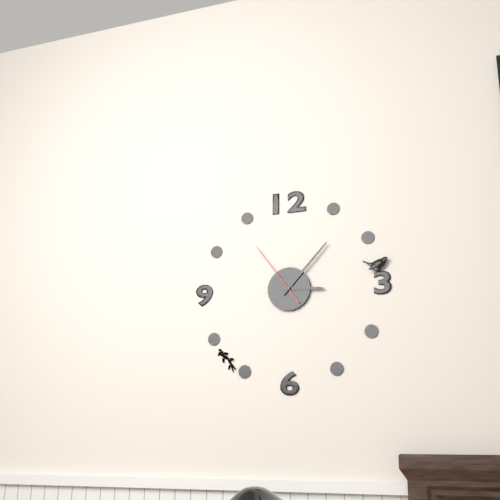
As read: 3h07m54s
